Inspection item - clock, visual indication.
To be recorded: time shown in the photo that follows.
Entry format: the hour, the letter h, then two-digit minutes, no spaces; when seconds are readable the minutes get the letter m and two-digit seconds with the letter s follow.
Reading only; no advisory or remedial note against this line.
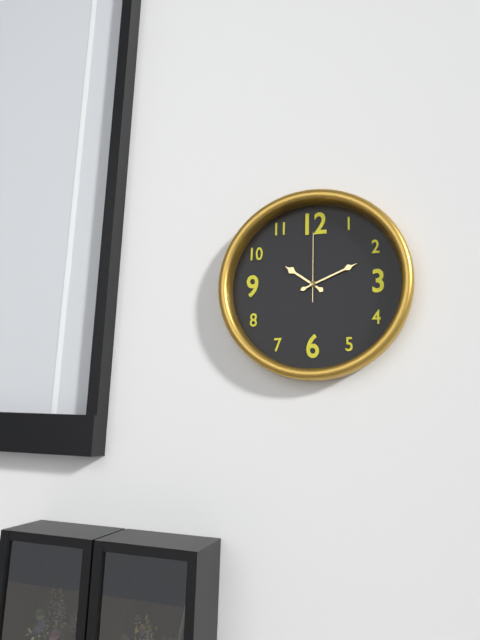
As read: 10h11m00s
